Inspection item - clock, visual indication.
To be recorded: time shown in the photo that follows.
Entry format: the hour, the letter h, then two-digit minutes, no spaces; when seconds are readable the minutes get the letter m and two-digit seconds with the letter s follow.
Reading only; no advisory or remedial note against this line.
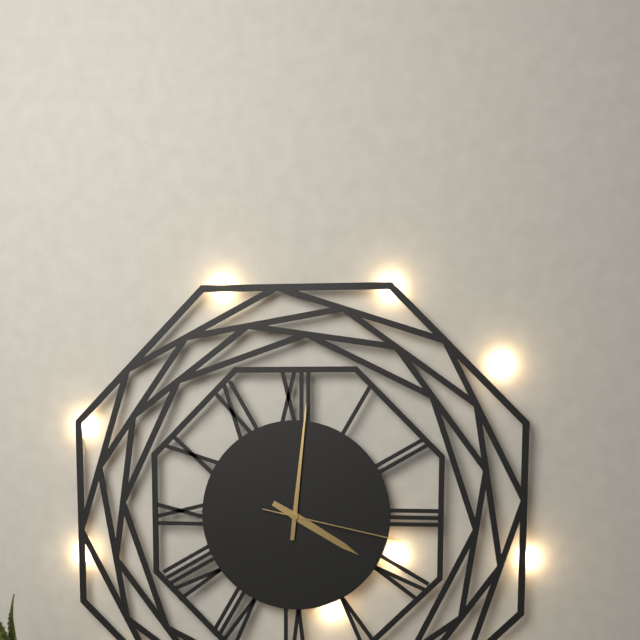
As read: 4h01m17s
